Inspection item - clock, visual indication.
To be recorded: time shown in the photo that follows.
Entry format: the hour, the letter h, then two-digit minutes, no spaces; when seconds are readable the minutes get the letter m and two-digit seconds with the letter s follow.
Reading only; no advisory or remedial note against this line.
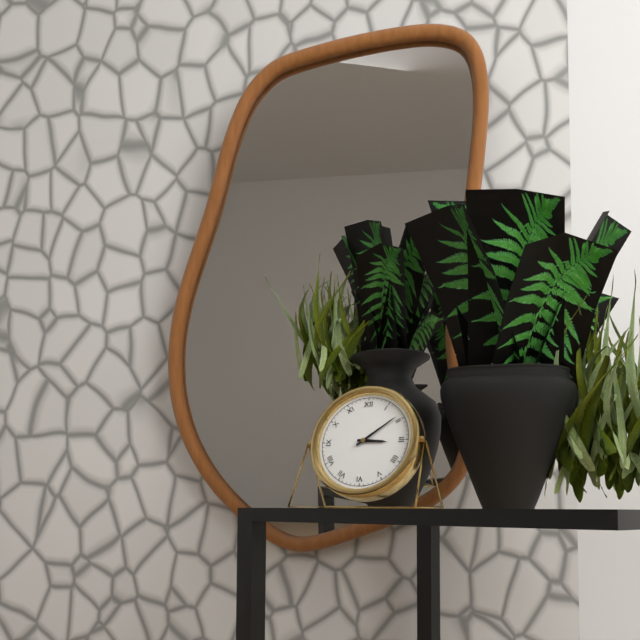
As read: 3h09
